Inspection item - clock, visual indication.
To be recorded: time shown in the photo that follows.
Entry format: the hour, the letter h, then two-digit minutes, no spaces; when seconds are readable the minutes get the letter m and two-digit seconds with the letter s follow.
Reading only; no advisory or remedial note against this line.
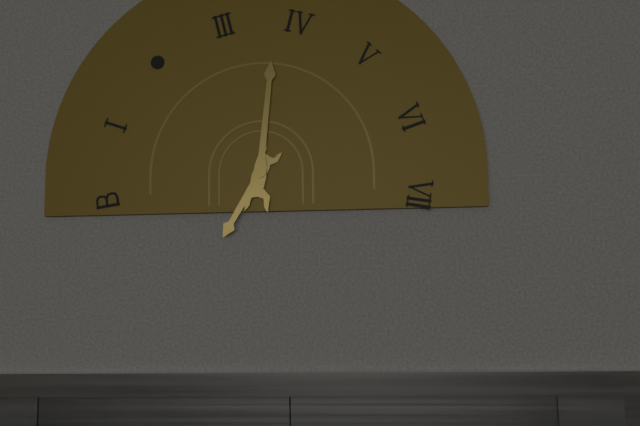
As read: 7h01
